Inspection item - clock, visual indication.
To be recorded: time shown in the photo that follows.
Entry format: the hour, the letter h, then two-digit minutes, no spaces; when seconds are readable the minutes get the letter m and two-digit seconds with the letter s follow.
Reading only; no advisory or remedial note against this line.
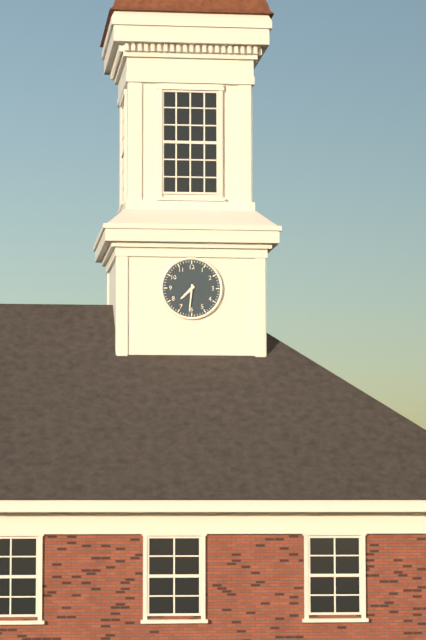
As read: 7h31
